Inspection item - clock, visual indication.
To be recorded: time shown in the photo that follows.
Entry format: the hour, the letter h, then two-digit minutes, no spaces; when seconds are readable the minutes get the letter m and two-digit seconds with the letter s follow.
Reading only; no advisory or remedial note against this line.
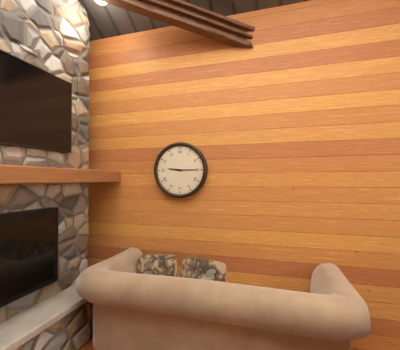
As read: 9h15
